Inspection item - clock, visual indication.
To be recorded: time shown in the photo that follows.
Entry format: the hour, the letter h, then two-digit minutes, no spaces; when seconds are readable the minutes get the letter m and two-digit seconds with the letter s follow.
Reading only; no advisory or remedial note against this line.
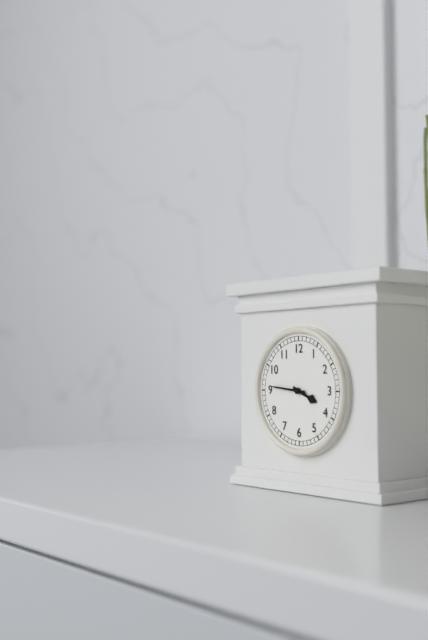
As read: 3h46
